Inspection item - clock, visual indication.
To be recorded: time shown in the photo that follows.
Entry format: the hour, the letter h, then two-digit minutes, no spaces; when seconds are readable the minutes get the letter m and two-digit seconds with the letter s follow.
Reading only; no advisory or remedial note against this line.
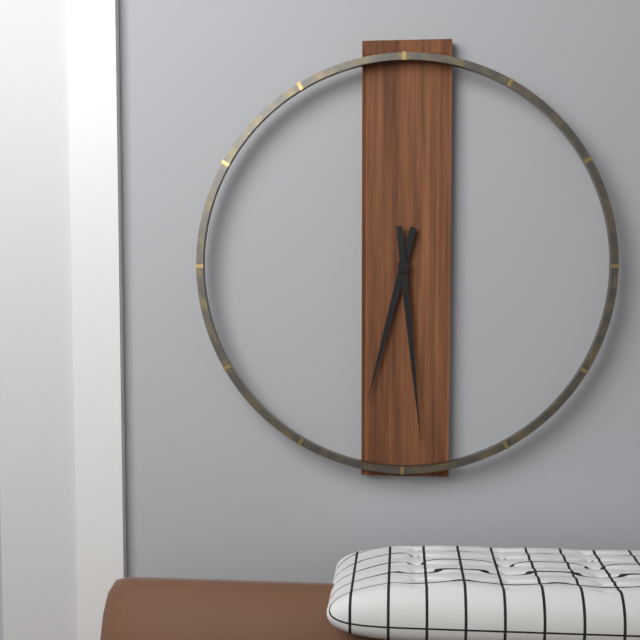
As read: 6h29
